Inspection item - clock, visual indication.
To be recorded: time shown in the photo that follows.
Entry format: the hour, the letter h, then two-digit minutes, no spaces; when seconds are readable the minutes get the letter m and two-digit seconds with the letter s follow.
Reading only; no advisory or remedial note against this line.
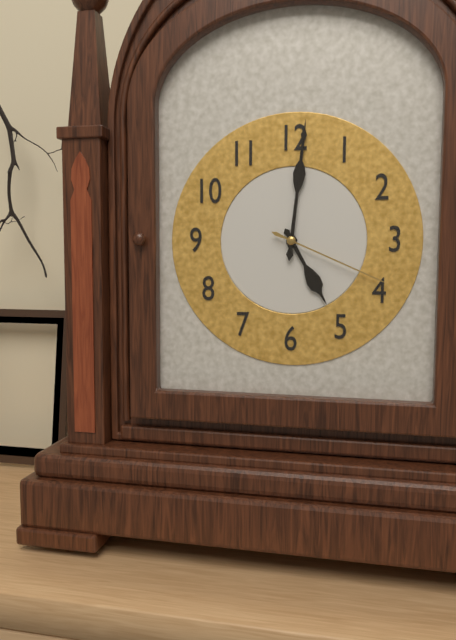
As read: 5h01m19s
